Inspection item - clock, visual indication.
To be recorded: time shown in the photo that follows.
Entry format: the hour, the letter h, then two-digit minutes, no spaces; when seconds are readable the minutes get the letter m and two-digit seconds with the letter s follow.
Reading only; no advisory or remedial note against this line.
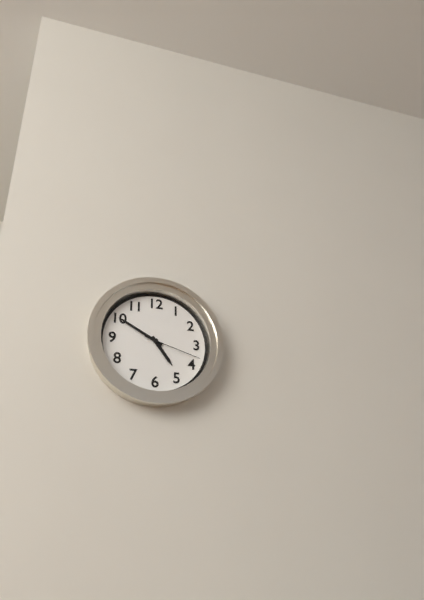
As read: 4h50m18s
